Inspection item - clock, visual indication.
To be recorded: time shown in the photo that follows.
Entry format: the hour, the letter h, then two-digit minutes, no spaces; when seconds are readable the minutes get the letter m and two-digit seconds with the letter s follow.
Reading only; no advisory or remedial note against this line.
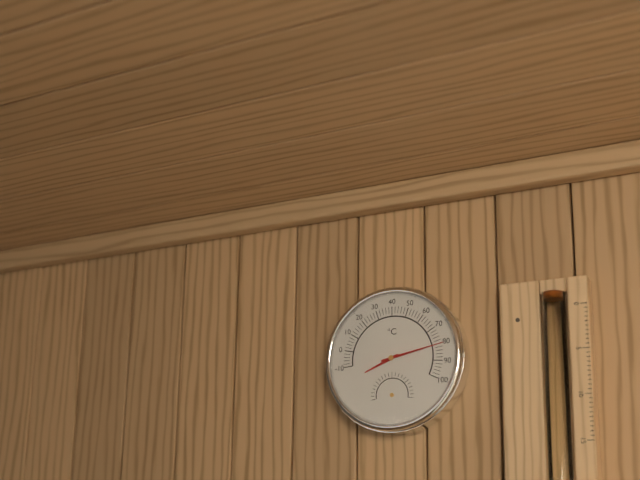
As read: 8h13
